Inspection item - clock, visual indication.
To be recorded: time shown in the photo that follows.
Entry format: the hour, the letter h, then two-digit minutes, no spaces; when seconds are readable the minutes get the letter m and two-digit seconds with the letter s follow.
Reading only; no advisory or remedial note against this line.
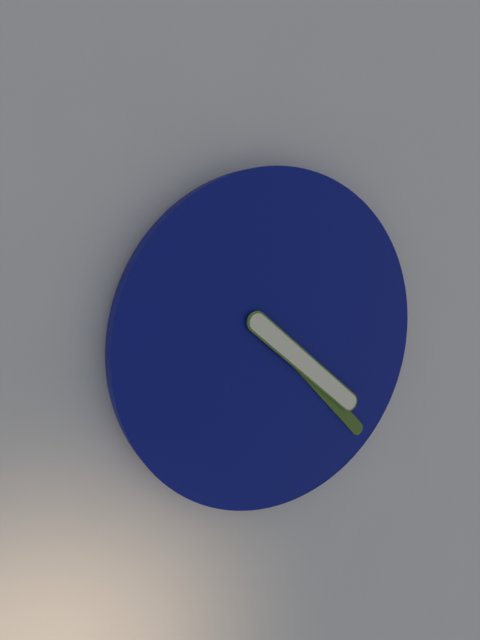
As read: 4h23
